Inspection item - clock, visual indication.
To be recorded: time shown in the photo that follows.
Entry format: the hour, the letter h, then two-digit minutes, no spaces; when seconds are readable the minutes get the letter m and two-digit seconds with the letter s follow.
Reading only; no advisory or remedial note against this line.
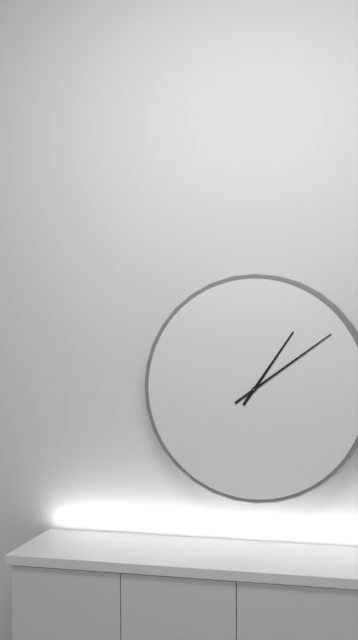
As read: 1h09
